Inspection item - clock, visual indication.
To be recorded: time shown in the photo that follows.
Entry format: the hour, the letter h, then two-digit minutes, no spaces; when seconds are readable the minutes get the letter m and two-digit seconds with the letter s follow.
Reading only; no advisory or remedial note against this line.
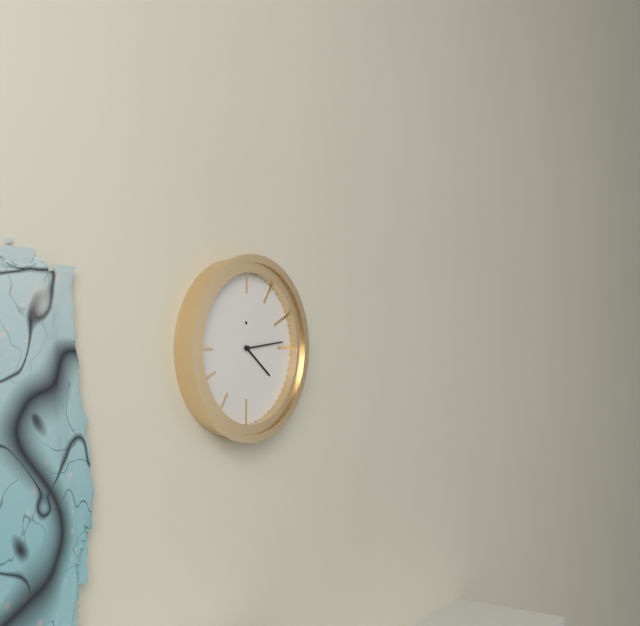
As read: 4h14
